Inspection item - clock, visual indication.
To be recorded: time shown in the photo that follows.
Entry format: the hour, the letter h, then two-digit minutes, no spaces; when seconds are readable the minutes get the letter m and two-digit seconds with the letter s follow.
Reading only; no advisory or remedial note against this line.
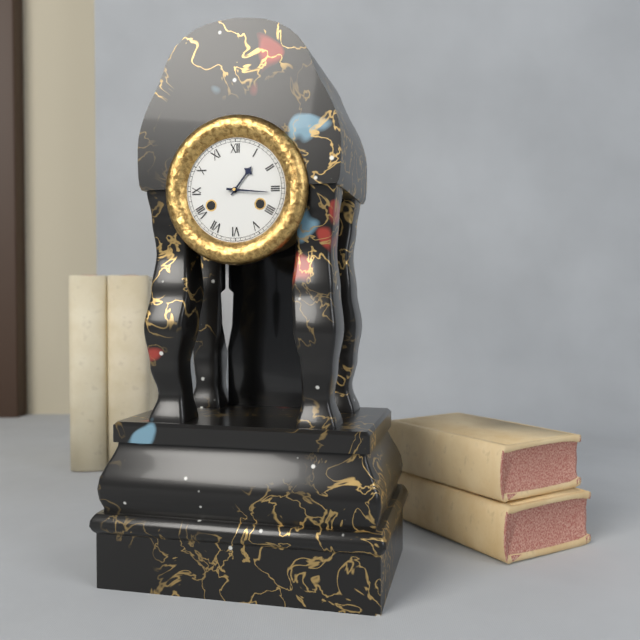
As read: 1h16
